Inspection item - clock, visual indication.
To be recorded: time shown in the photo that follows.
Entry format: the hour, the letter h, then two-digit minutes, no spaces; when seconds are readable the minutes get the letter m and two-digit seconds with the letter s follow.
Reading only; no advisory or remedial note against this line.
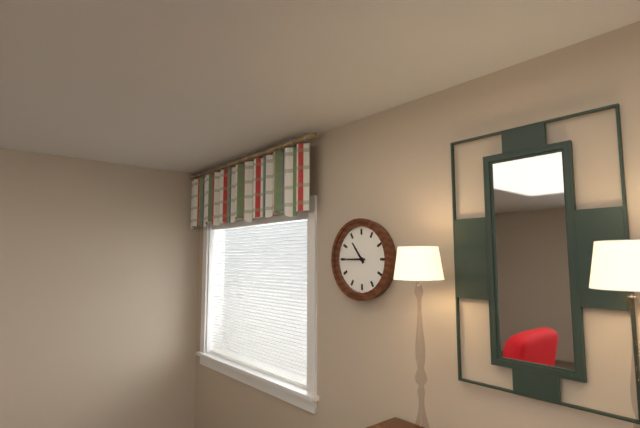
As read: 10h45
